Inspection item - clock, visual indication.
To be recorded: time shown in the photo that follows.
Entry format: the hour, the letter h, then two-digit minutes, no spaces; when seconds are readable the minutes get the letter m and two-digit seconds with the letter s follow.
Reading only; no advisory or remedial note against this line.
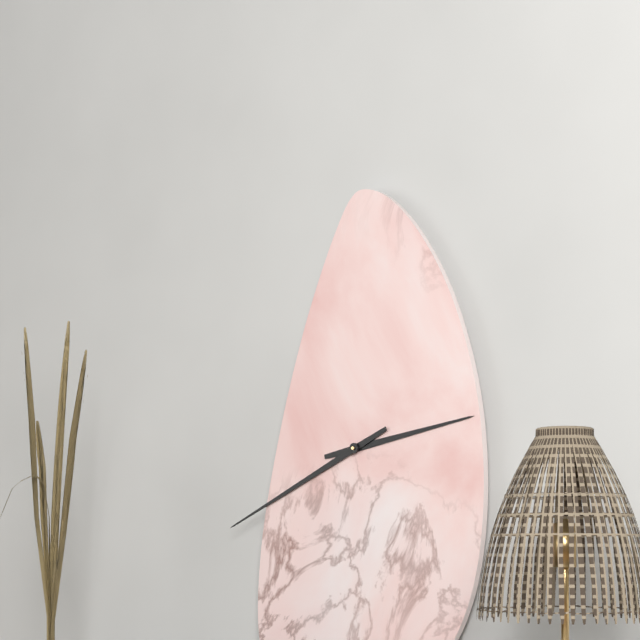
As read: 2h41
